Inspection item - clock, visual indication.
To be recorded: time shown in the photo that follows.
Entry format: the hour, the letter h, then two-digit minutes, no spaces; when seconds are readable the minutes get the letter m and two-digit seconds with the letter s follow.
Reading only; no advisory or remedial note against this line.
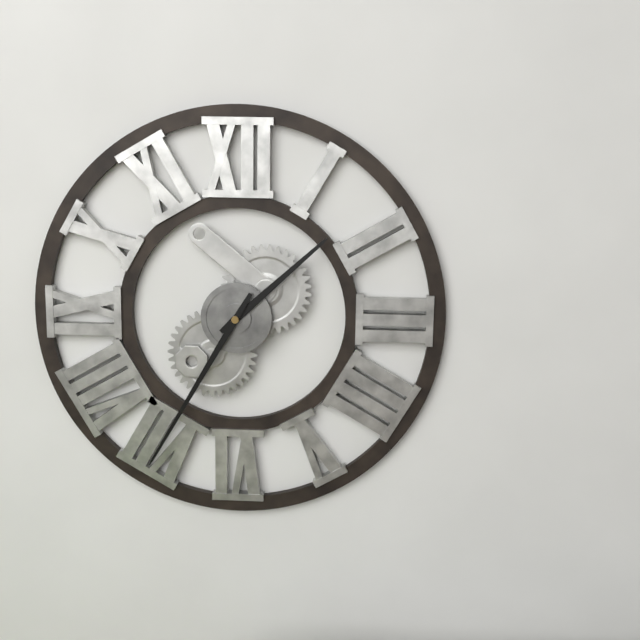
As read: 1h35
